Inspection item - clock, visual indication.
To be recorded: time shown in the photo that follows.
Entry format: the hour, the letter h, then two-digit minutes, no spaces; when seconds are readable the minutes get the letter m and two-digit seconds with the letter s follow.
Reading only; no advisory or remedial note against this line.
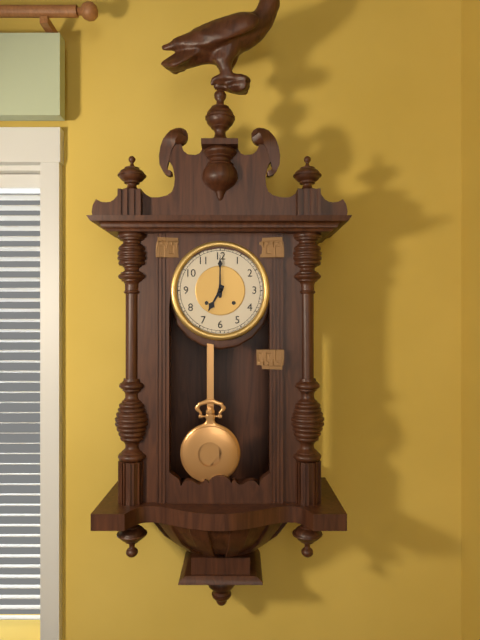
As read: 7h00
